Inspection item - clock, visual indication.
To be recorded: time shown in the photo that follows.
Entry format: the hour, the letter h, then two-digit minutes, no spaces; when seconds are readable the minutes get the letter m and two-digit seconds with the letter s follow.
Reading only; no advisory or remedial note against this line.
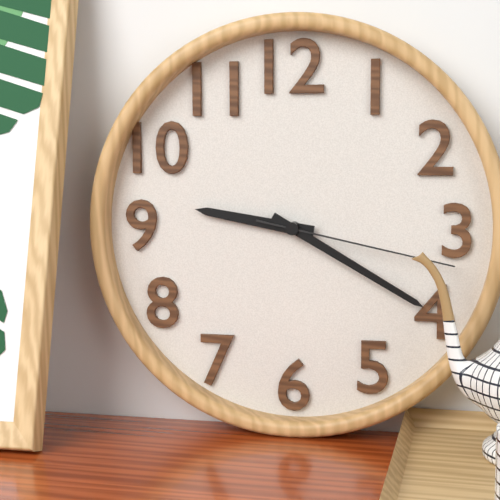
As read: 9h20m17s
